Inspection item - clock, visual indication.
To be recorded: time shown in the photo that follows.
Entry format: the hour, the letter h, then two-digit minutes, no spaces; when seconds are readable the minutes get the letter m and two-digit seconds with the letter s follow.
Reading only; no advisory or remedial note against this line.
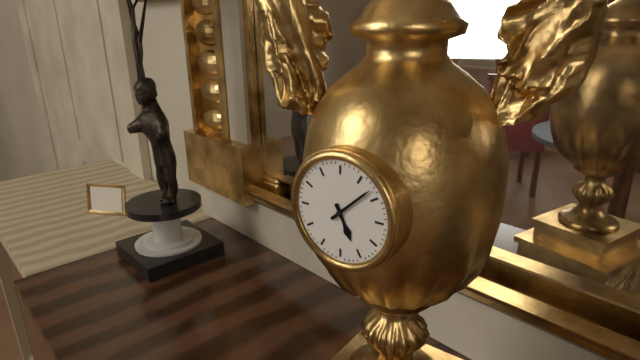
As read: 5h08
